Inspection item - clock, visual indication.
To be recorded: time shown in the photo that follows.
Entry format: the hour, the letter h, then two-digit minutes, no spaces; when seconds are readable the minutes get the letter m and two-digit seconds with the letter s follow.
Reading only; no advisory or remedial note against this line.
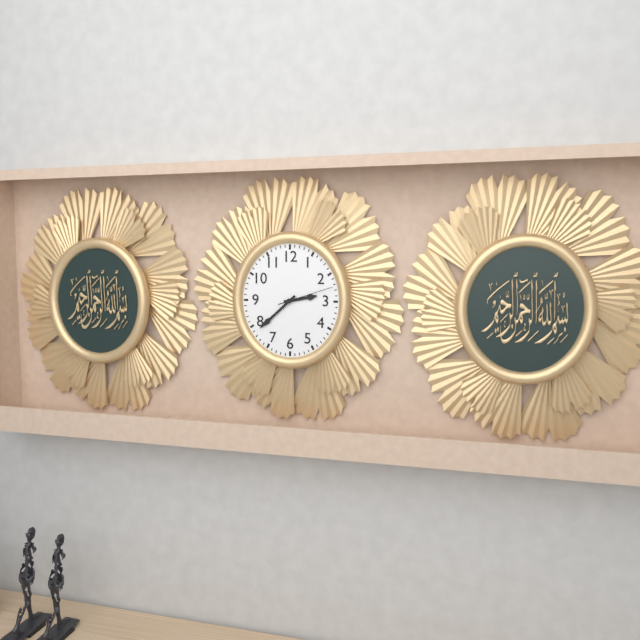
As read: 2h38m12s
